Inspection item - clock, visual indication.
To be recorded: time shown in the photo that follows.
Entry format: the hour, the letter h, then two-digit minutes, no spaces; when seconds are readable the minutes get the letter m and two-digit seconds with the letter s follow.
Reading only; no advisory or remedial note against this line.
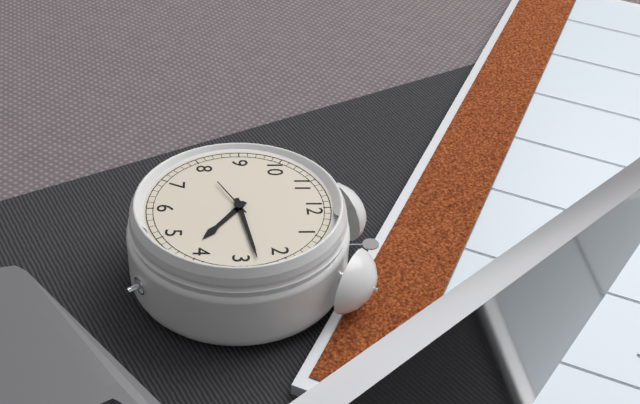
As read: 4h13
